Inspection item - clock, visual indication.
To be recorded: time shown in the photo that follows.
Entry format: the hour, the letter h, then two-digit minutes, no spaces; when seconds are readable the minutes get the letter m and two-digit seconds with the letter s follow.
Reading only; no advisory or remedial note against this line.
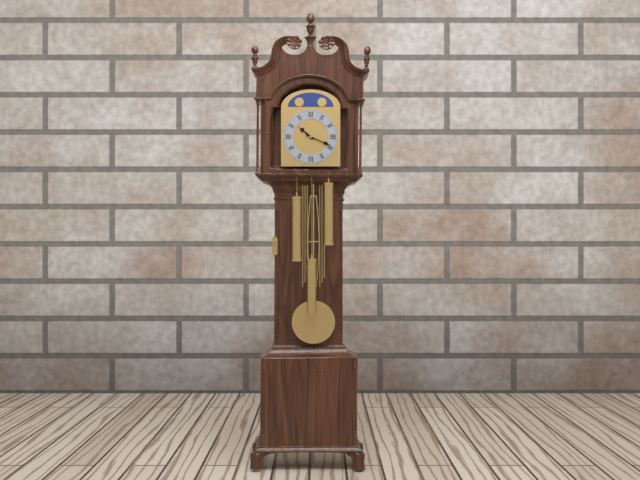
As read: 10h19
